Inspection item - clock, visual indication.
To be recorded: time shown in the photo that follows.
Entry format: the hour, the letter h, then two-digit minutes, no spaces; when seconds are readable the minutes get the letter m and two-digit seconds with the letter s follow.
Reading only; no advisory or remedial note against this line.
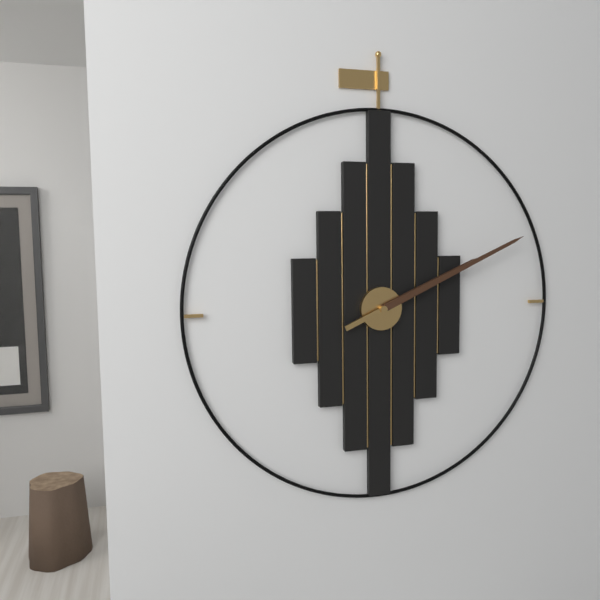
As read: 2h11
